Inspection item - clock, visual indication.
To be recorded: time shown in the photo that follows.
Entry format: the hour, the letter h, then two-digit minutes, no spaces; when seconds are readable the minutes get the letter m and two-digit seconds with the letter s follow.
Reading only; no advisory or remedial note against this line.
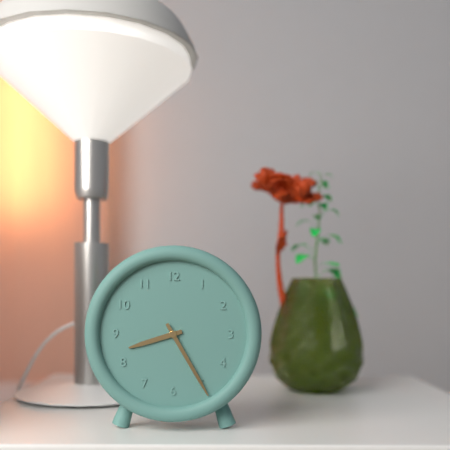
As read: 8h25
